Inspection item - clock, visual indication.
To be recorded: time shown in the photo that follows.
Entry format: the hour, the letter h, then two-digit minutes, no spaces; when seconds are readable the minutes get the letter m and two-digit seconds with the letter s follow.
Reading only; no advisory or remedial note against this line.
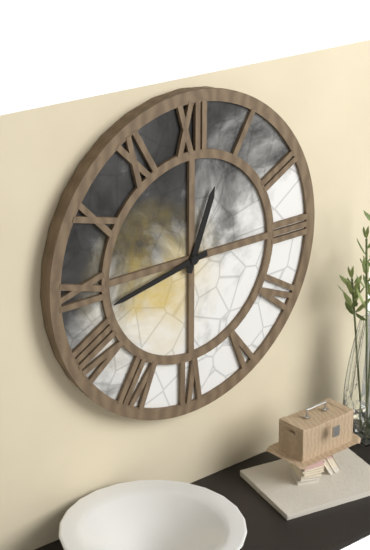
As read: 12h43
